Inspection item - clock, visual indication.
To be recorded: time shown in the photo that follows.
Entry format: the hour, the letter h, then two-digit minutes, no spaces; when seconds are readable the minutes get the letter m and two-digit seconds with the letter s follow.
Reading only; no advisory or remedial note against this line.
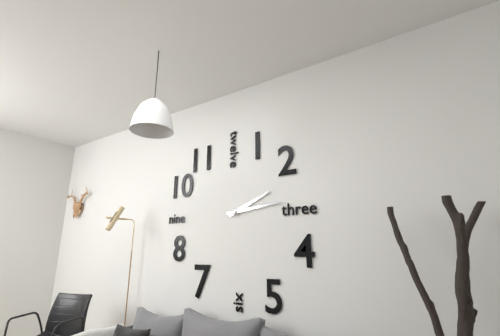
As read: 2h14
